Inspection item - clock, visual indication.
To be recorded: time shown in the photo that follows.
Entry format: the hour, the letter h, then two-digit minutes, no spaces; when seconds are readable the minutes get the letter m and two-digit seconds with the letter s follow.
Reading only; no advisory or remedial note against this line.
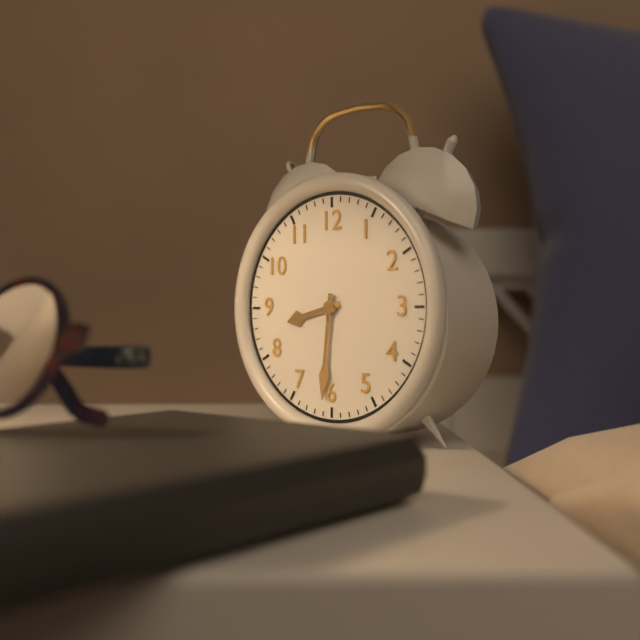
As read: 8h31
